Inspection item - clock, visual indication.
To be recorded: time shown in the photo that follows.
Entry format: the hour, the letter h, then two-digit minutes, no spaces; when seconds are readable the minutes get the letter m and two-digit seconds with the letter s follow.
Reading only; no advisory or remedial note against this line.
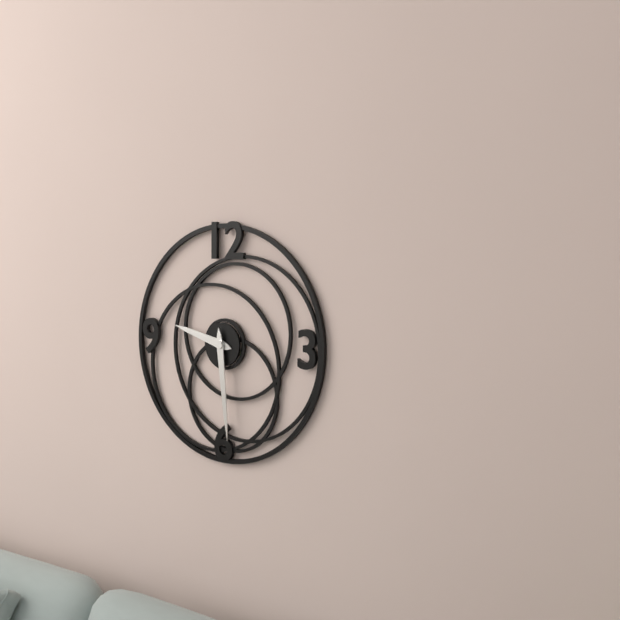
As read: 9h29
